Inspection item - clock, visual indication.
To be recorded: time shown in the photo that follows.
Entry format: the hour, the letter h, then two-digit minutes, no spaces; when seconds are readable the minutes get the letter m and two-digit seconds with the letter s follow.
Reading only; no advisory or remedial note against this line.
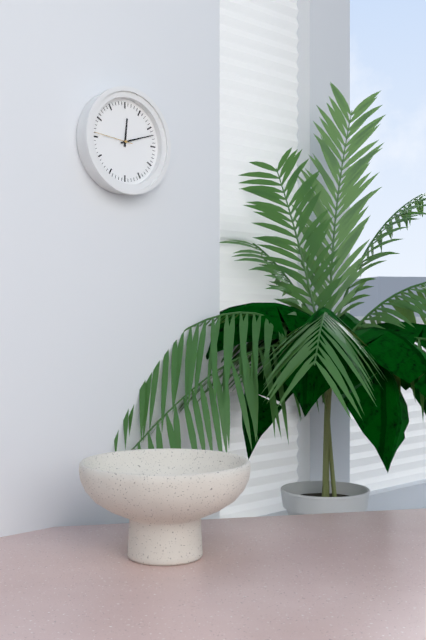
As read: 12h12
